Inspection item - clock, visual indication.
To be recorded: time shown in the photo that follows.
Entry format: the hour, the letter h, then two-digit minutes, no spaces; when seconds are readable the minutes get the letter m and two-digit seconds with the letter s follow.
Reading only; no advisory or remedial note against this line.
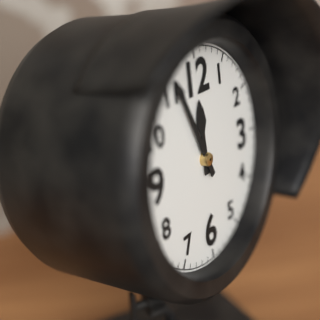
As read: 11h56
